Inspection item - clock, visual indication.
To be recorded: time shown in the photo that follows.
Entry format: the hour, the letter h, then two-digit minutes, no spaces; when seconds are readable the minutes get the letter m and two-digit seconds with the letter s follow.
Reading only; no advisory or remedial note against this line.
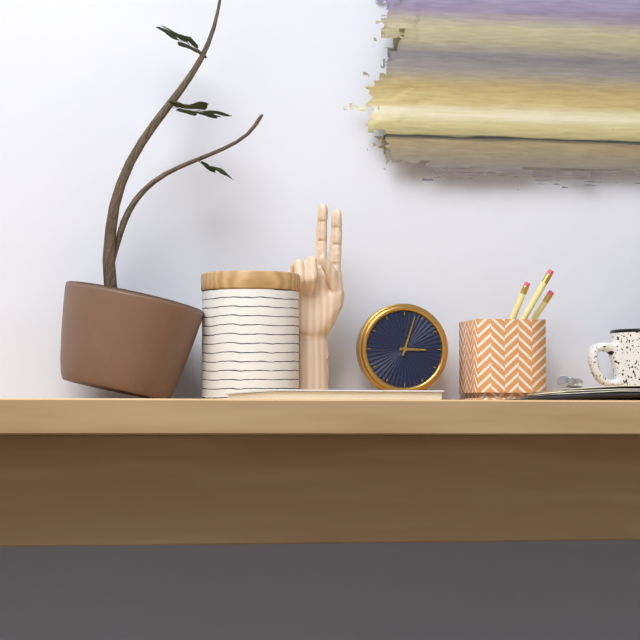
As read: 3h03
